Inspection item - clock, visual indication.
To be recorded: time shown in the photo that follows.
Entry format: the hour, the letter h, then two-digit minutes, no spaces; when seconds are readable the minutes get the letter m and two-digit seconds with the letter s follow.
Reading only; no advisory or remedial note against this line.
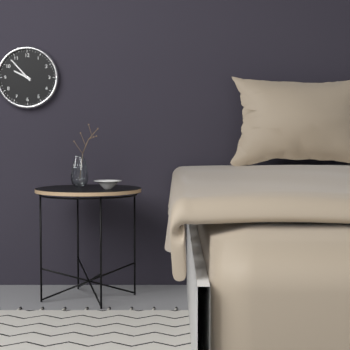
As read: 9h53
